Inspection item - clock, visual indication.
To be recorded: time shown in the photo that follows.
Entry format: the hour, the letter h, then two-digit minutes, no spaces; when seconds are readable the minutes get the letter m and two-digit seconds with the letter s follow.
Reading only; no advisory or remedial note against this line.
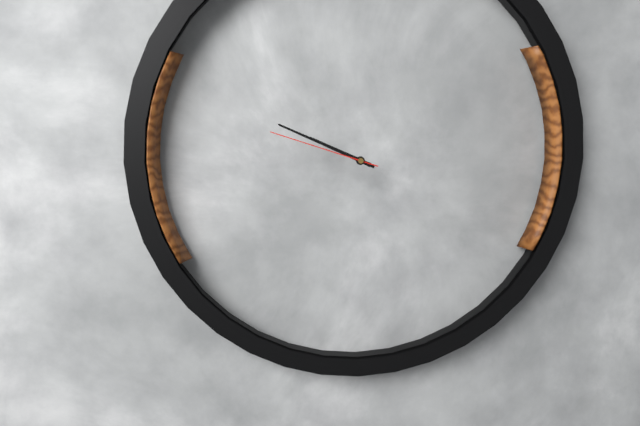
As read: 9h49m48s
